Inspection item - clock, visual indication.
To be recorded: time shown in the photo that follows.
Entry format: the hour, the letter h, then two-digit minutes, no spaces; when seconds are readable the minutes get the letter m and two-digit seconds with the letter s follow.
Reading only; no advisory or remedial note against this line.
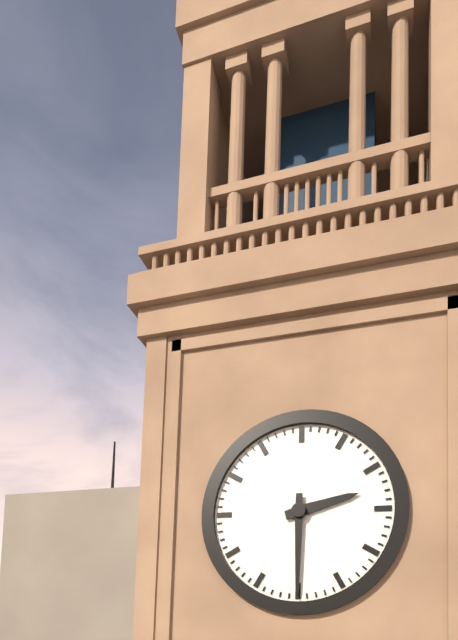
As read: 2h30
